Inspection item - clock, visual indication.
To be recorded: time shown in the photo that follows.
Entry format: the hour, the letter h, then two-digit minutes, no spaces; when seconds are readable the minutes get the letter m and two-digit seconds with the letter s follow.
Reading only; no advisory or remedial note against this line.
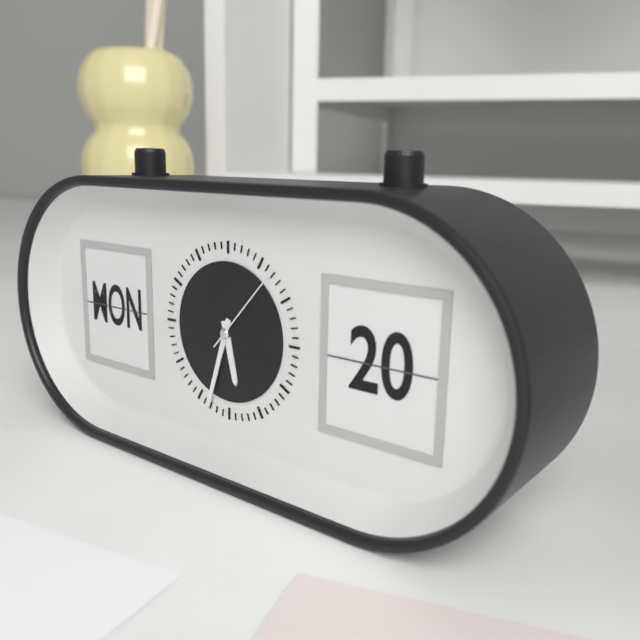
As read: 5h33m07s
